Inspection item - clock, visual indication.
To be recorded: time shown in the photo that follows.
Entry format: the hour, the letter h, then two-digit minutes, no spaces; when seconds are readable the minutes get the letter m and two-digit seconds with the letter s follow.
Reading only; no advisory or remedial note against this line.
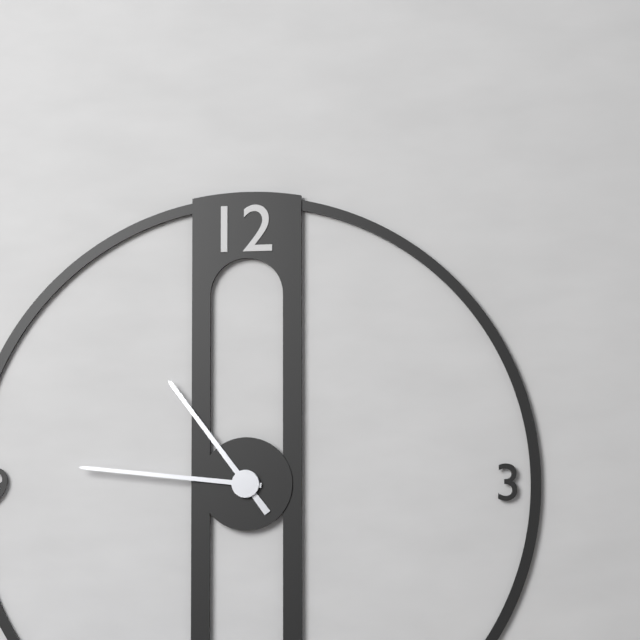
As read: 10h46
